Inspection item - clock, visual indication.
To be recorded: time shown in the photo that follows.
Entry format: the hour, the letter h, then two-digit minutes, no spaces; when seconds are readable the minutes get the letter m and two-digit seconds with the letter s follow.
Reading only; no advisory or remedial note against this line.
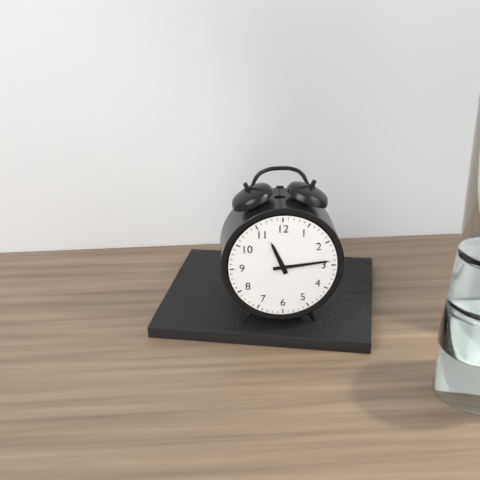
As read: 11h14
